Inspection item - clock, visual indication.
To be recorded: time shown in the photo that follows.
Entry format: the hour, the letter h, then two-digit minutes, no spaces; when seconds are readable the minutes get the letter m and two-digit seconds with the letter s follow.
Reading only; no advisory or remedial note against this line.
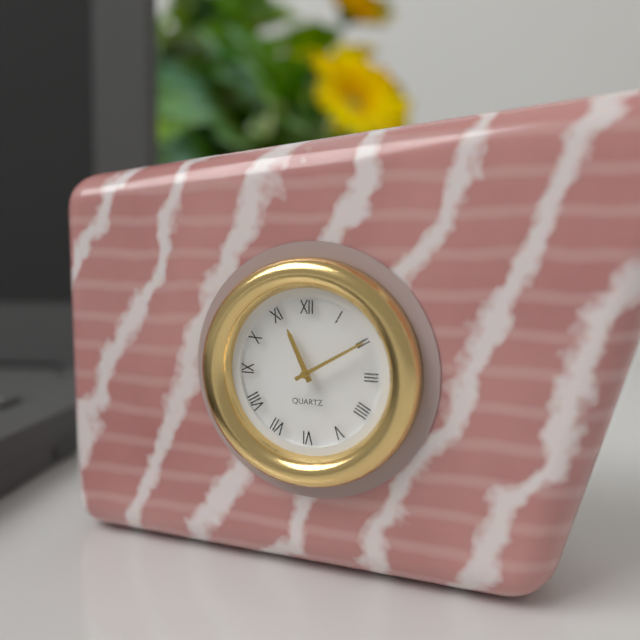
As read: 11h10
